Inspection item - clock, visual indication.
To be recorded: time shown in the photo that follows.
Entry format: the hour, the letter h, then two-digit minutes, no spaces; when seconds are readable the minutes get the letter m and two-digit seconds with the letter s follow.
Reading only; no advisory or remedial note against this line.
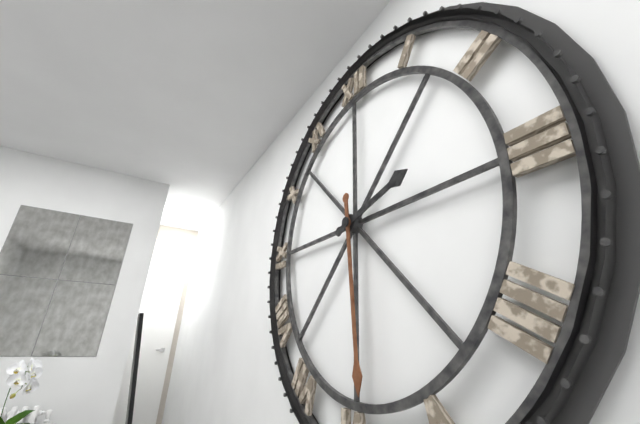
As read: 2h29
